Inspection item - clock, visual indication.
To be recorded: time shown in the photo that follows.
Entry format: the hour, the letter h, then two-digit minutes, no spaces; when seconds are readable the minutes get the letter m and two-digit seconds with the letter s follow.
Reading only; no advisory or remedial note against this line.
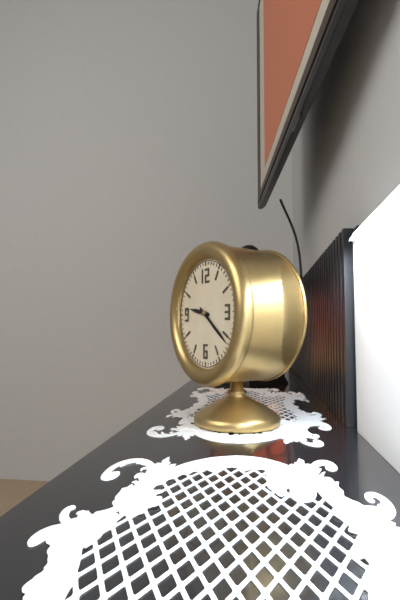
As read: 9h21
